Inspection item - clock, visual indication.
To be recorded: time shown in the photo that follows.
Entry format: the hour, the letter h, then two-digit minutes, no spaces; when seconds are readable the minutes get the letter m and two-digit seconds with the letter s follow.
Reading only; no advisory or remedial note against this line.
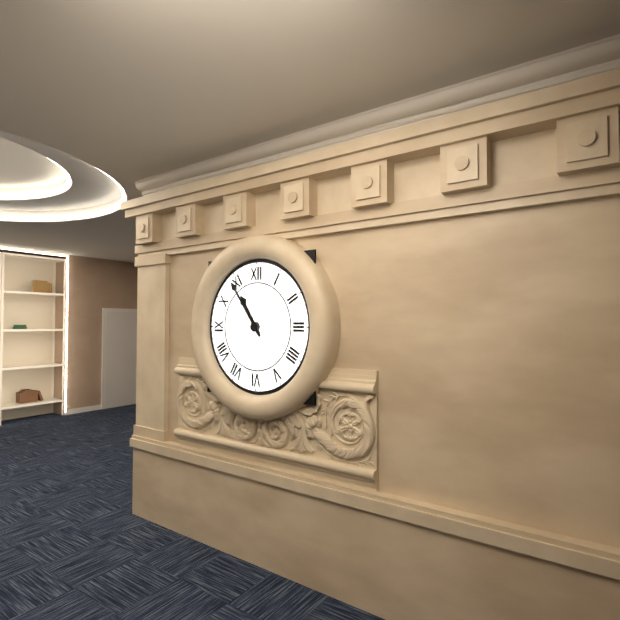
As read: 10h54
